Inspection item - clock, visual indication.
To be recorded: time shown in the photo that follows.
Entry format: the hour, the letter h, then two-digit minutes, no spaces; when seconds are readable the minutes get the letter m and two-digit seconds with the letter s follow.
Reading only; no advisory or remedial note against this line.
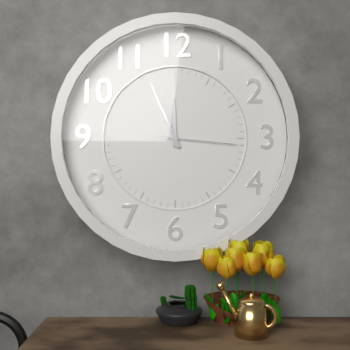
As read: 11h56m16s
